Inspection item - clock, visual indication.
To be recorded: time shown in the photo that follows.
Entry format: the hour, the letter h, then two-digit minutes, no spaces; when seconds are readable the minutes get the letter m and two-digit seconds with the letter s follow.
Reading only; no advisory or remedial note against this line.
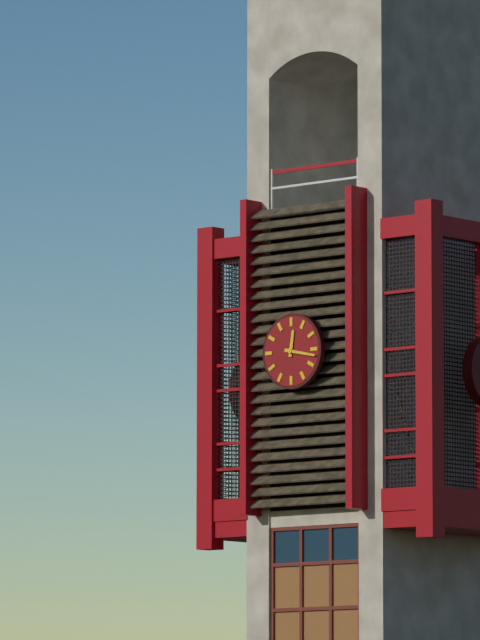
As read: 12h17
